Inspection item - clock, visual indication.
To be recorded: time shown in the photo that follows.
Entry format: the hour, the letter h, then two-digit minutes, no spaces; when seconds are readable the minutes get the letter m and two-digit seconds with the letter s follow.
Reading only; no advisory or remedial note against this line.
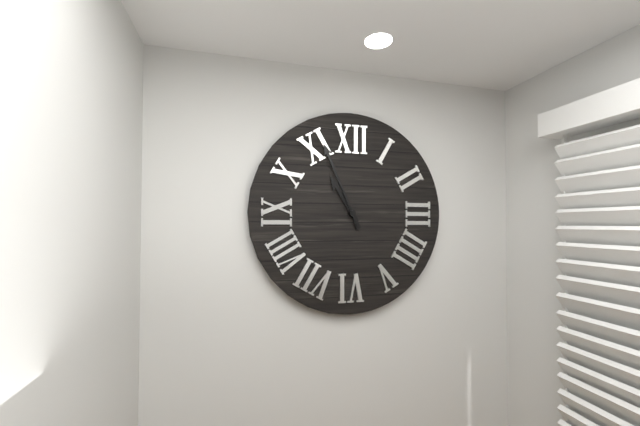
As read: 10h56
